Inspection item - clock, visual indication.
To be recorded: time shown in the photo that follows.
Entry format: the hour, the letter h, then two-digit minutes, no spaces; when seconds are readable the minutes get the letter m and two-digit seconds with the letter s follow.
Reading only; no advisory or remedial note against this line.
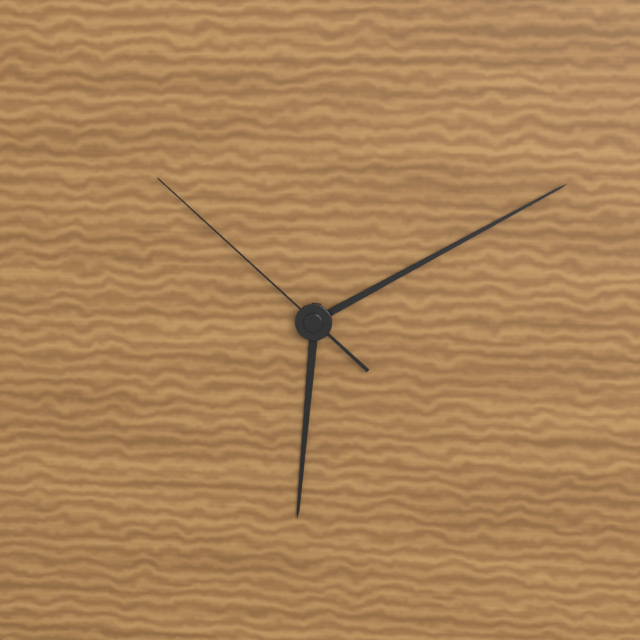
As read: 6h10m52s
